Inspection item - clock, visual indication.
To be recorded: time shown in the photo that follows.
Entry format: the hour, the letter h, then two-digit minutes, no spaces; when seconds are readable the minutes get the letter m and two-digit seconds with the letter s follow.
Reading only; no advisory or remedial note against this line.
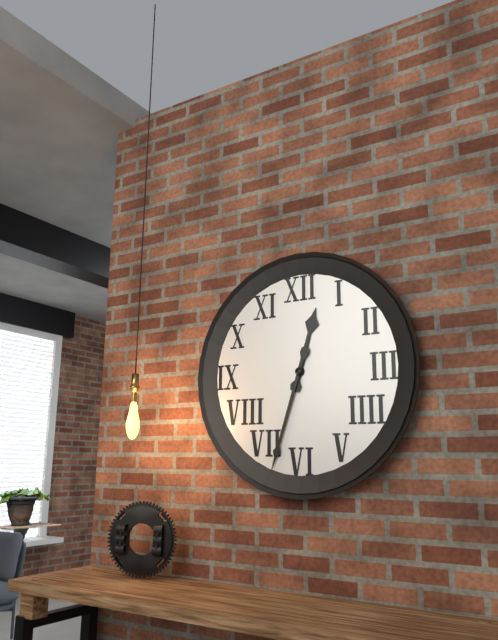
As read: 12h33
